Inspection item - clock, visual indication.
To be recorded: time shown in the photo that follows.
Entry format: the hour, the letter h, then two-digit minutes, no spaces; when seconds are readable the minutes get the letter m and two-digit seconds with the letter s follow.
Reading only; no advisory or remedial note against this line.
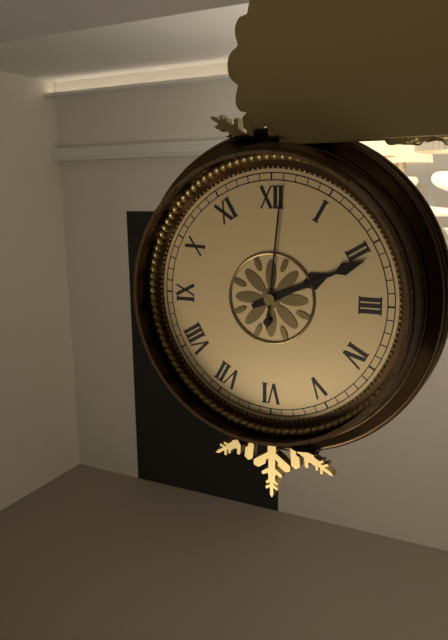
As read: 2h11m01s
